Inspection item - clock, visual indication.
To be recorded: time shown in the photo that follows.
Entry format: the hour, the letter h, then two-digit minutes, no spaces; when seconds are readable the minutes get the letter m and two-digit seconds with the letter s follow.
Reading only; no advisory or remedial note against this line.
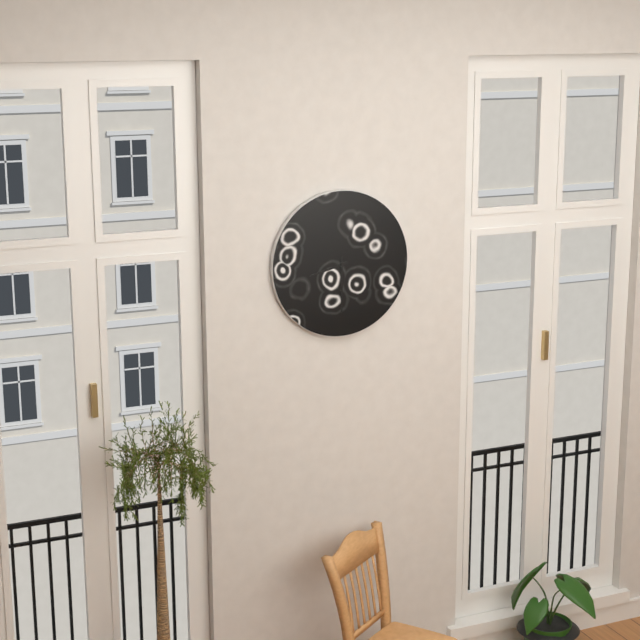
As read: 8h30
